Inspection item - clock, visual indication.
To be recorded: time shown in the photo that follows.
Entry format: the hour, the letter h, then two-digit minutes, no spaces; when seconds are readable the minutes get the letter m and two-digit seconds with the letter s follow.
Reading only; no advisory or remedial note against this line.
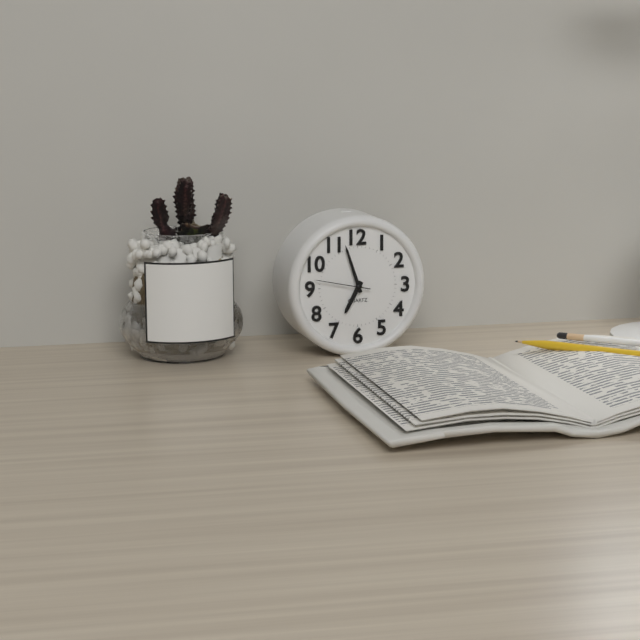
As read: 6h57m47s
